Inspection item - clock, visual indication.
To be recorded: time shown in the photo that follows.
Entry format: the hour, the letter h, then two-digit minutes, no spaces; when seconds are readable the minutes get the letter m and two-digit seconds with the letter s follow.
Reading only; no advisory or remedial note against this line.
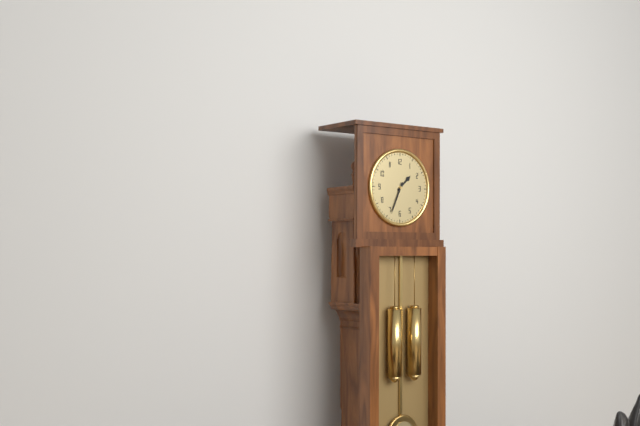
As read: 1h34
